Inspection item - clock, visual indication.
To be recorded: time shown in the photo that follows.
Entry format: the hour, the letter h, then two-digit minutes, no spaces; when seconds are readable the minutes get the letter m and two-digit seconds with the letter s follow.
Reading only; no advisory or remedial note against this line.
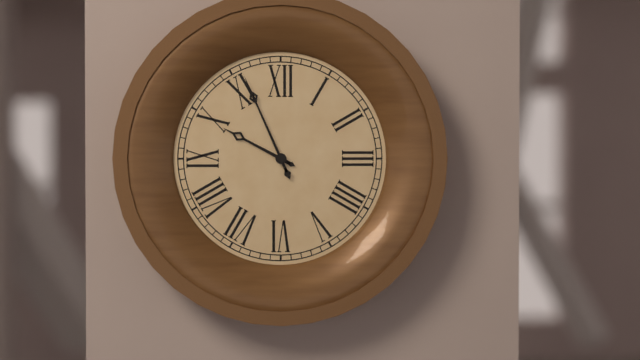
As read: 9h56
